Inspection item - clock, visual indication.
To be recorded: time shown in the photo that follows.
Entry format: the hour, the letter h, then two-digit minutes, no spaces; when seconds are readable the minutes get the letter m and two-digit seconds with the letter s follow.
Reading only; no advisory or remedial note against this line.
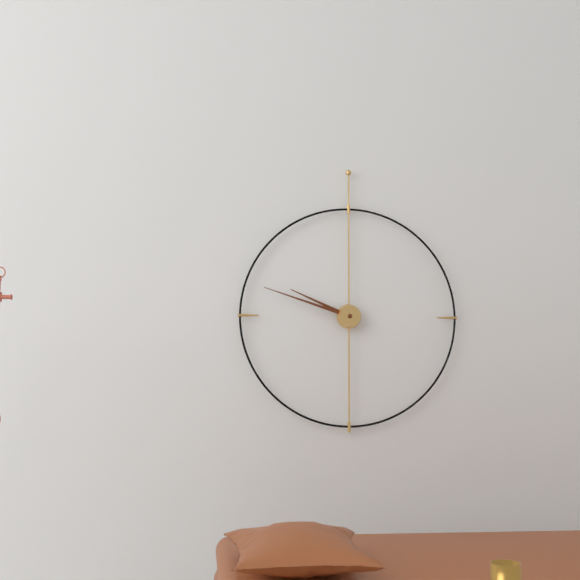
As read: 9h48
